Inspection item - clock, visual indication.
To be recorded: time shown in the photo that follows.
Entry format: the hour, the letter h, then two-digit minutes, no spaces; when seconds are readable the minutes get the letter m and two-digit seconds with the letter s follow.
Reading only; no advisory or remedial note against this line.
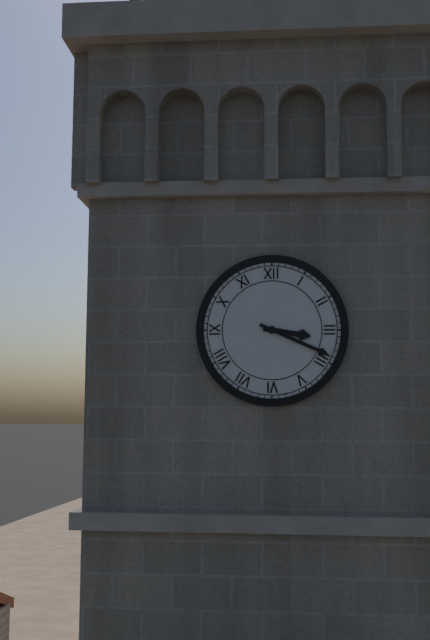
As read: 3h19
